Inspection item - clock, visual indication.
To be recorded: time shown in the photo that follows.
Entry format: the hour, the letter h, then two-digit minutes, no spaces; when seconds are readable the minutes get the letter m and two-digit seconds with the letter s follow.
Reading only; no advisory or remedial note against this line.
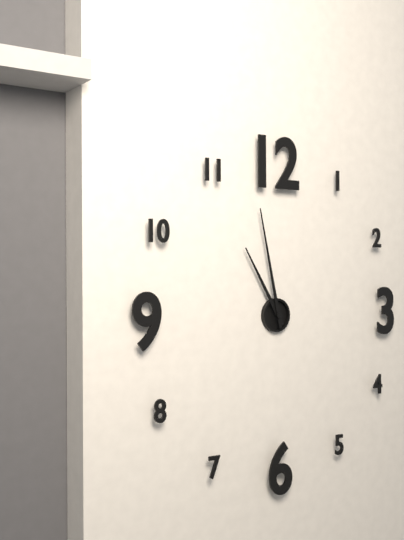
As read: 10h58
